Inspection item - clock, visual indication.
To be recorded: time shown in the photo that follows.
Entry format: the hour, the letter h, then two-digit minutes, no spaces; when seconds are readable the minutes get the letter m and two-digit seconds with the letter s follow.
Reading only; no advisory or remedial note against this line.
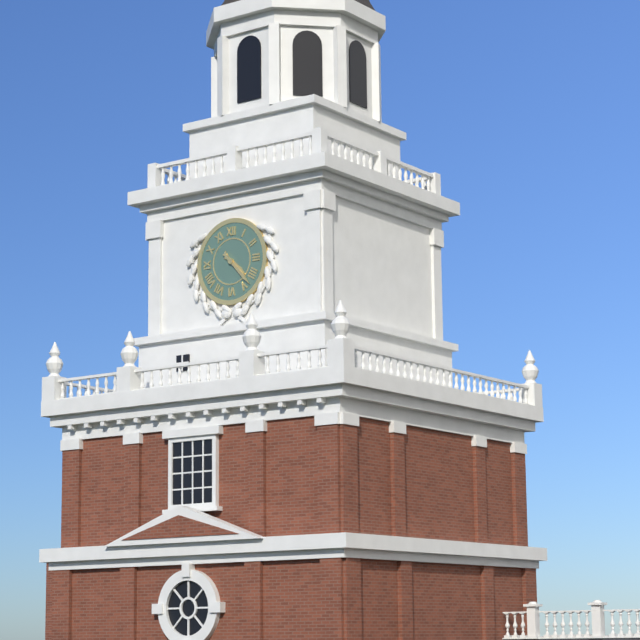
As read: 4h23
